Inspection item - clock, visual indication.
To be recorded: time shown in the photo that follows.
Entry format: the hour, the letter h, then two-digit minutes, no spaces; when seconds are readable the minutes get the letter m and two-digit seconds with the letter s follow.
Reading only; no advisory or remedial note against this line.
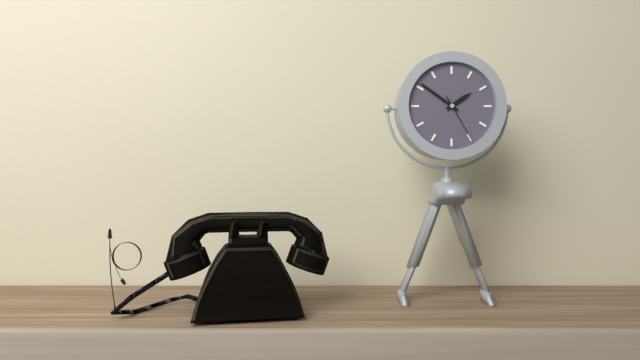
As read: 1h51m25s
